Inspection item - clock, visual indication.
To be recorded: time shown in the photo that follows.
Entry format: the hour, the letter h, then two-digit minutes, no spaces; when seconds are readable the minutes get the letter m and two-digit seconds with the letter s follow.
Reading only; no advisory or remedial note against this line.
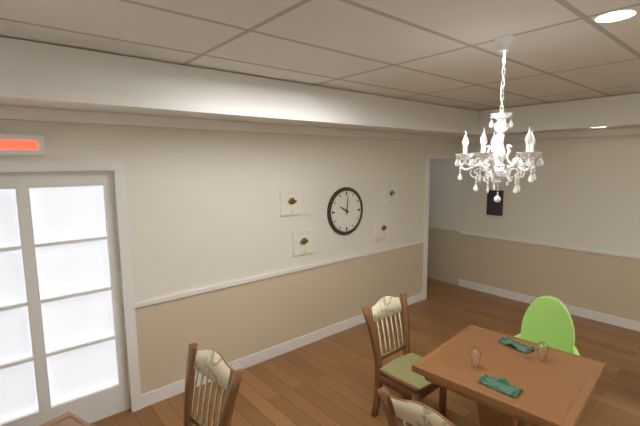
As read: 10h01
